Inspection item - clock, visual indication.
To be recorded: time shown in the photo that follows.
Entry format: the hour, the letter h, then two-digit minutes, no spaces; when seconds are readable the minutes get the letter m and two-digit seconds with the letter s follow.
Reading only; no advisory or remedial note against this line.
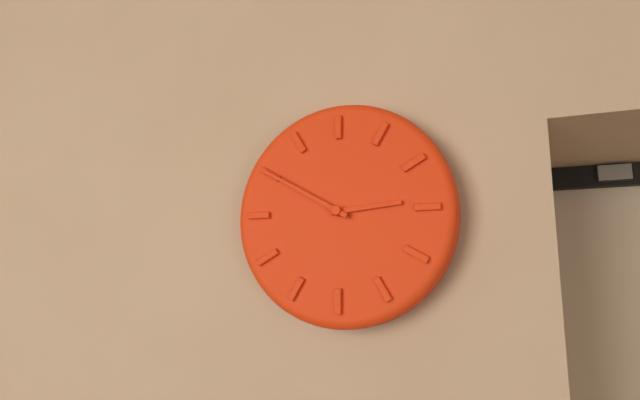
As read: 2h50
